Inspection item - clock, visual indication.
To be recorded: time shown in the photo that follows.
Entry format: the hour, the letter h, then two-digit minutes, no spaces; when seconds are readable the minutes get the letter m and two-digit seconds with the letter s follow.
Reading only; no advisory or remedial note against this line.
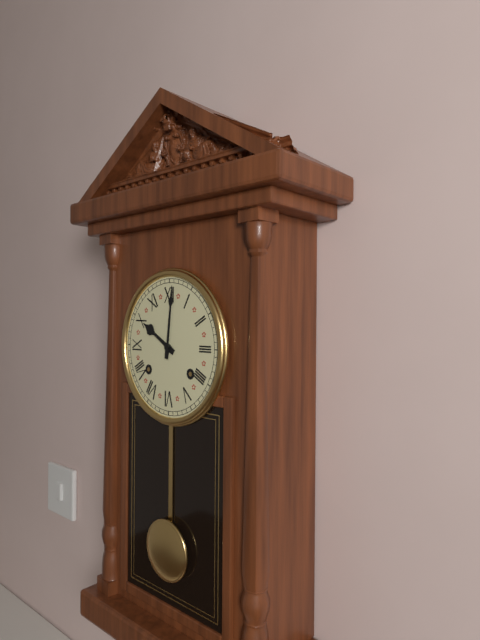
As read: 10h01
